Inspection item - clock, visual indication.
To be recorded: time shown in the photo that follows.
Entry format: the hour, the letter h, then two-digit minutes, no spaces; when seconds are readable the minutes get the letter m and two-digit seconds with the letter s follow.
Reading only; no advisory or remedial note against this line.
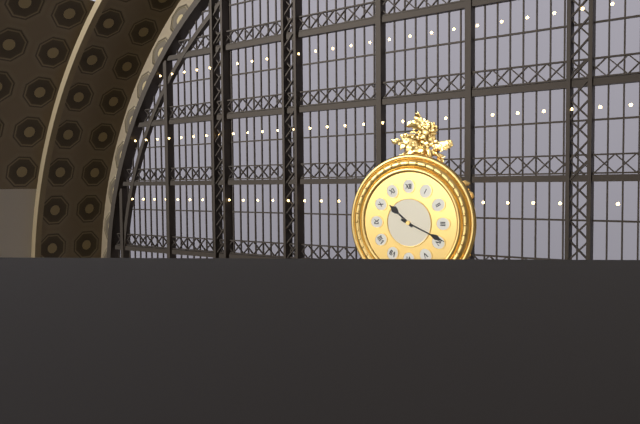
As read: 10h19
